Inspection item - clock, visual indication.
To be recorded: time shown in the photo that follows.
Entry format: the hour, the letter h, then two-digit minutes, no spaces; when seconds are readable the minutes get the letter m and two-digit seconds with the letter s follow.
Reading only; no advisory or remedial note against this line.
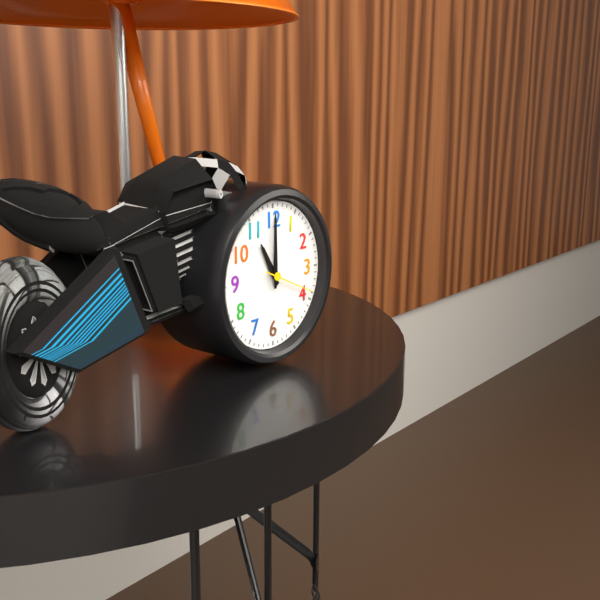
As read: 11h00m19s
